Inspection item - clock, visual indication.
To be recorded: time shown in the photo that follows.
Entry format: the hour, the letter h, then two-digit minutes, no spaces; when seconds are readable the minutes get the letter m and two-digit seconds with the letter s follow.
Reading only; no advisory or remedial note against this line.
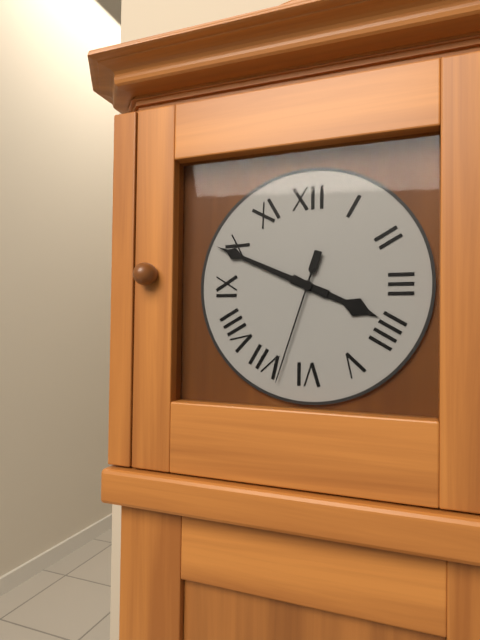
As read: 3h49m33s
